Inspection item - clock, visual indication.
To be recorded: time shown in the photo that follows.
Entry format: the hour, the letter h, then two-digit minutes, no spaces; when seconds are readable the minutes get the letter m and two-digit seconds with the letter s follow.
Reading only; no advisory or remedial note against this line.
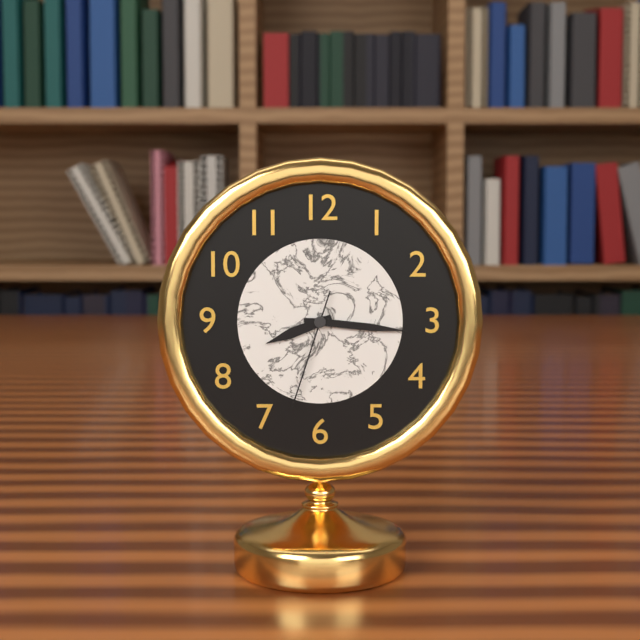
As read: 8h16m33s
